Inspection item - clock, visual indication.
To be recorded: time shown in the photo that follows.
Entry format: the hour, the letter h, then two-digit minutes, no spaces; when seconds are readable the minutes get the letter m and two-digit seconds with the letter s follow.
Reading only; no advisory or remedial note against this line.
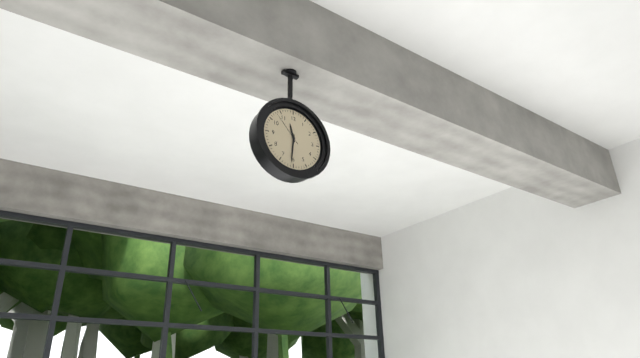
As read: 11h31
